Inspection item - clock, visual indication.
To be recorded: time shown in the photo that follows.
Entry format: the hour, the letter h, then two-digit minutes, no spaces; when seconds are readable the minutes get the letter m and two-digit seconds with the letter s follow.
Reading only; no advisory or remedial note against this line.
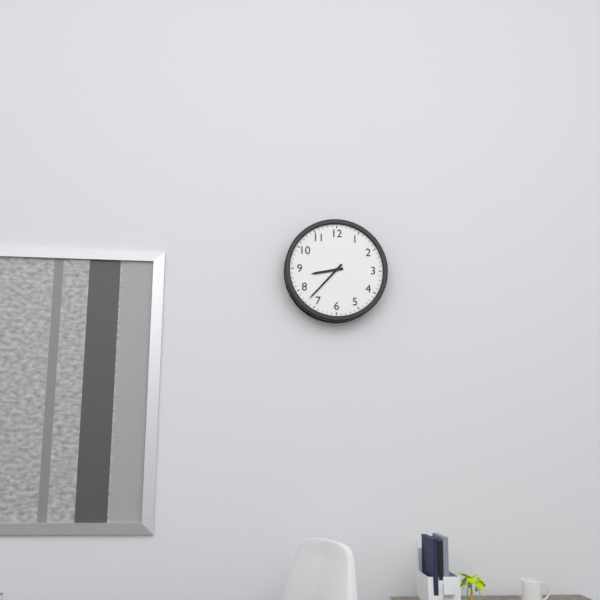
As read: 8h37
